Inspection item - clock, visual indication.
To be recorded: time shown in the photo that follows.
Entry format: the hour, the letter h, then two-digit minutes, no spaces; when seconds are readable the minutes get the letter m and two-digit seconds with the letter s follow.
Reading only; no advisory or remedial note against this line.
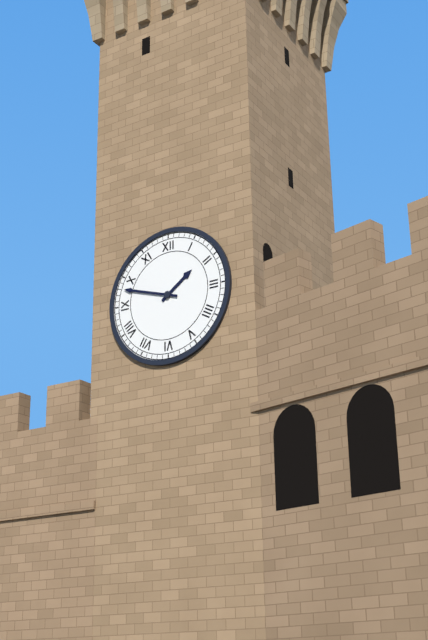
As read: 1h48
